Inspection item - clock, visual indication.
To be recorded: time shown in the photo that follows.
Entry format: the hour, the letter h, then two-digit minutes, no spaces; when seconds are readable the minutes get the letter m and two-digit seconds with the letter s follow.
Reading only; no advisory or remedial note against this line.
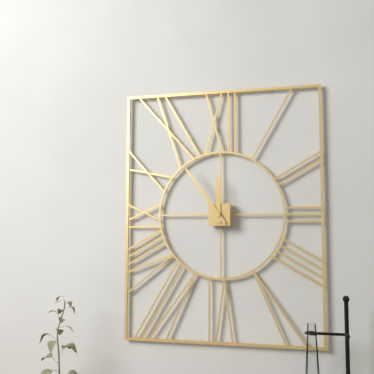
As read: 11h54
